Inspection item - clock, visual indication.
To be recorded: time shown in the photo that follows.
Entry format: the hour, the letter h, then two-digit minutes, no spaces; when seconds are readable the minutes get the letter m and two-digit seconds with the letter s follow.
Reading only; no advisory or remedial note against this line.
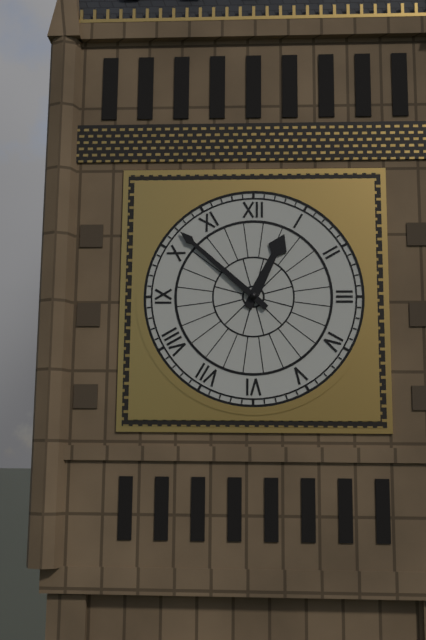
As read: 12h52
